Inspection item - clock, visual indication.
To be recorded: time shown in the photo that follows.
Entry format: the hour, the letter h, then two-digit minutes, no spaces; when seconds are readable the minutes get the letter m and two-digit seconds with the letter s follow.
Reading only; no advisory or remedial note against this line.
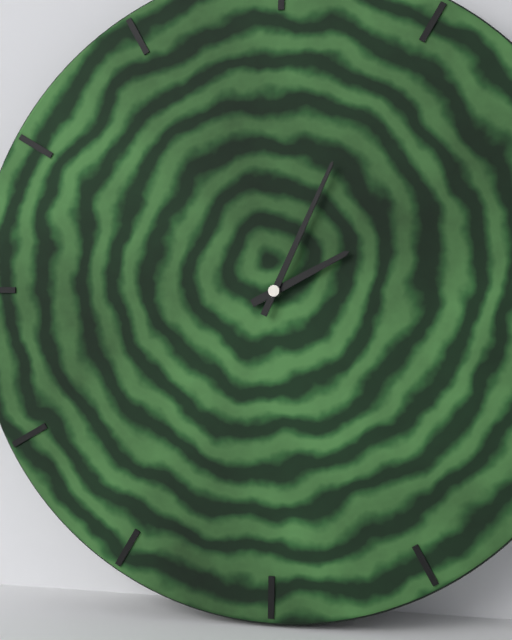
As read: 2h04
